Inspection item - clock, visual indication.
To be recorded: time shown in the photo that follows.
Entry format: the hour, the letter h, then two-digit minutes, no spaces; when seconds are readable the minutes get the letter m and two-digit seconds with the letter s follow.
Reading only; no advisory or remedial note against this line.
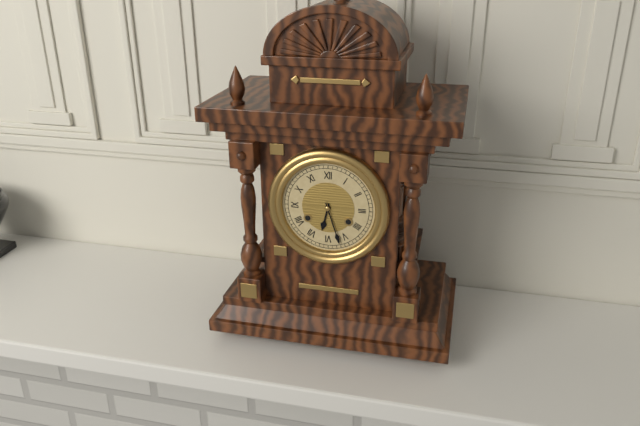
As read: 6h27
